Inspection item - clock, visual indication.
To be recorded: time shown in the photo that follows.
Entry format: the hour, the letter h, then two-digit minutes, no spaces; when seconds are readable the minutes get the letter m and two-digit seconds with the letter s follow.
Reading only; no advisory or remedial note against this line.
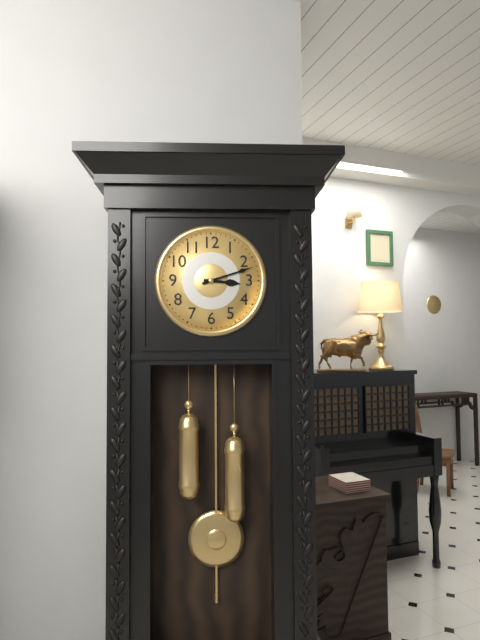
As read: 3h12
